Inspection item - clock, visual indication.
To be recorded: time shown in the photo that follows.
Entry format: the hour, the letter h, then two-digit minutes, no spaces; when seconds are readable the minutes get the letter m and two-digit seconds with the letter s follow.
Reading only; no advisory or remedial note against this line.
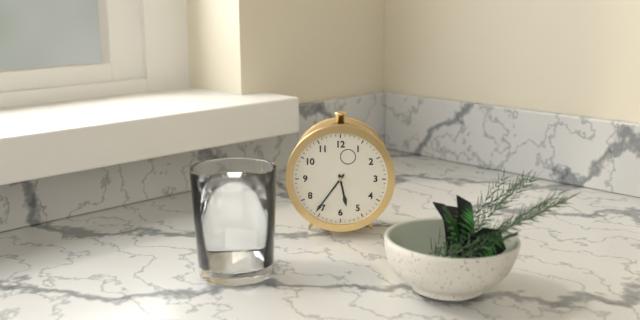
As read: 5h36
